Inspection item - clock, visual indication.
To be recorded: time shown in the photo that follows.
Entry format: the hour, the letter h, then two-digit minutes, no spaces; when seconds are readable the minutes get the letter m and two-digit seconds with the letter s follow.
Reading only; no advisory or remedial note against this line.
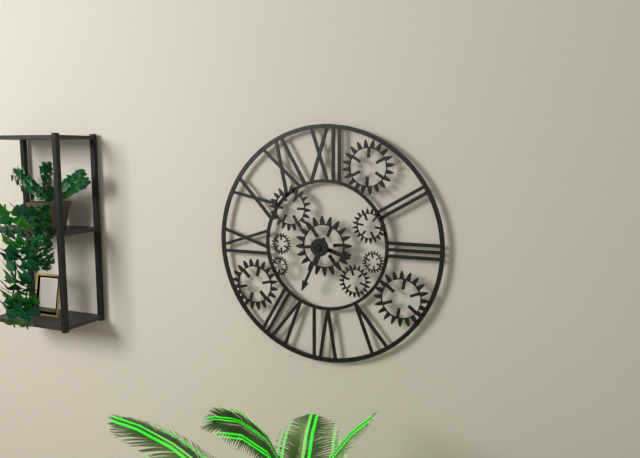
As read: 3h34
